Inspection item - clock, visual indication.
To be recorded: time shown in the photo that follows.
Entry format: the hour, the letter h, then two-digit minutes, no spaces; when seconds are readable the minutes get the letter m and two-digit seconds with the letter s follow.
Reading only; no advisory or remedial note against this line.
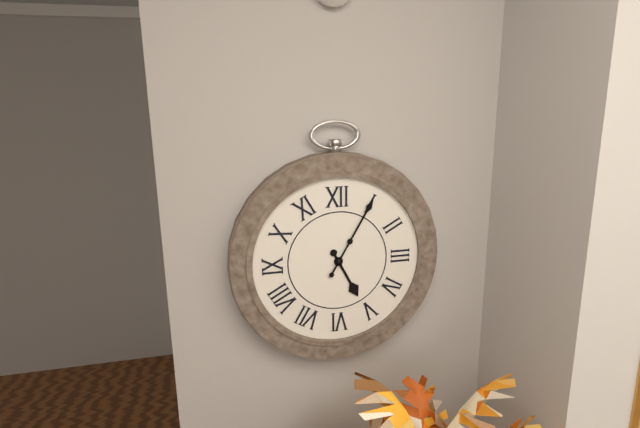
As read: 5h05
